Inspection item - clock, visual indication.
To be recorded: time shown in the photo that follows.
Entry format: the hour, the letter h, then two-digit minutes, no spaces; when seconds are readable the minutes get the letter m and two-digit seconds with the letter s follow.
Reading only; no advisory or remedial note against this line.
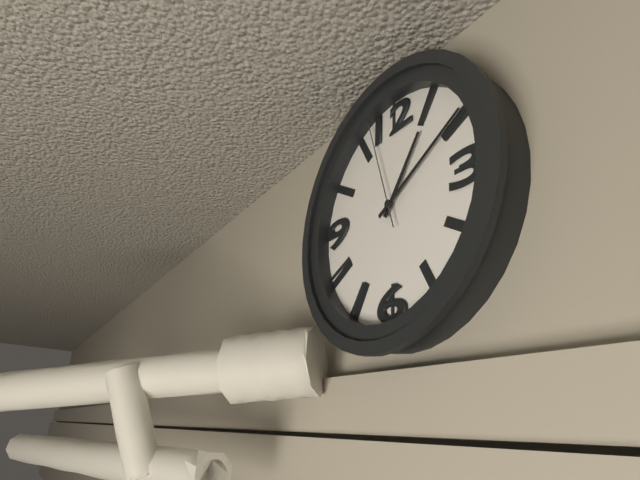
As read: 1h10m57s
